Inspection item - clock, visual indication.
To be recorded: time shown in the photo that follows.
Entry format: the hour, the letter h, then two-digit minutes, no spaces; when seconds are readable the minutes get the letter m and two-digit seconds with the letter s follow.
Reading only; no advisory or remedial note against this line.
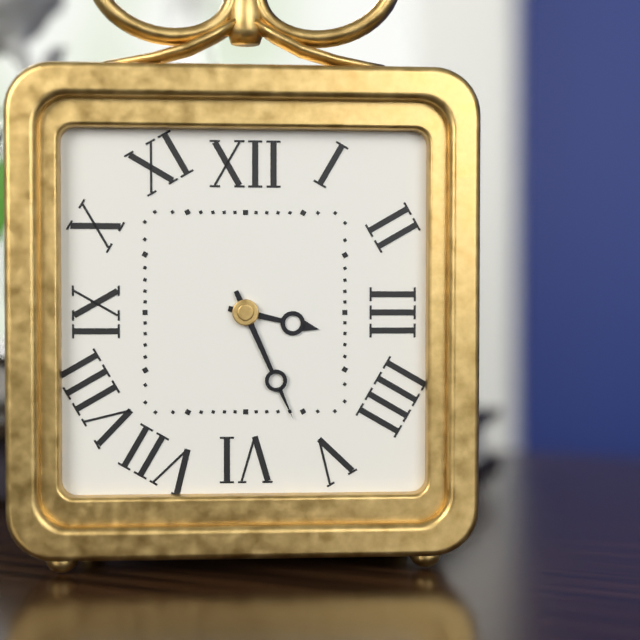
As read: 3h26
